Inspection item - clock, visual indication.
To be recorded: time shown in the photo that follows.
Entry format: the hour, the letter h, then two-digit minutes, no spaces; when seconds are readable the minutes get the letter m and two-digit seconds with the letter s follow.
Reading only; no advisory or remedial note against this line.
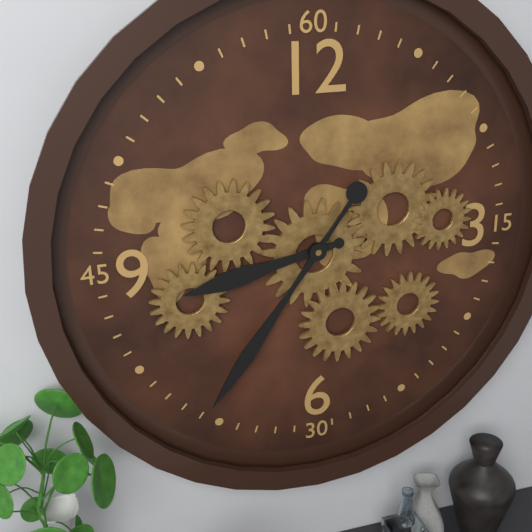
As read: 8h36
